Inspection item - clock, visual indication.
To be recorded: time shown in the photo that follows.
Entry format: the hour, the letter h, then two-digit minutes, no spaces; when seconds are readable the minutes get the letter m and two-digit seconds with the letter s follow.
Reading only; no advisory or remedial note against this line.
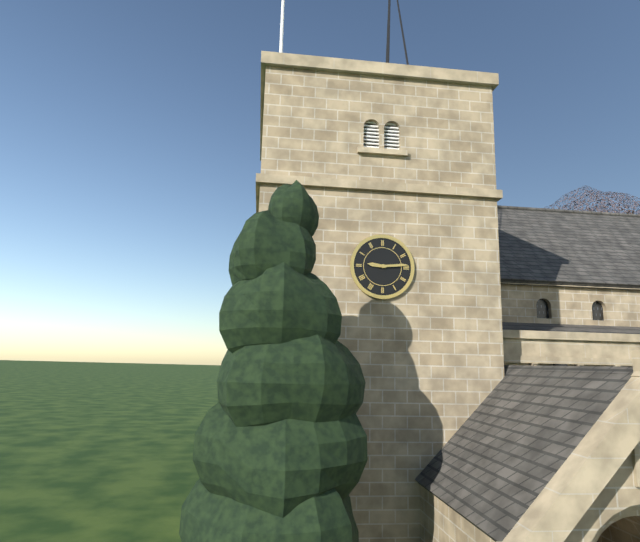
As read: 9h14
